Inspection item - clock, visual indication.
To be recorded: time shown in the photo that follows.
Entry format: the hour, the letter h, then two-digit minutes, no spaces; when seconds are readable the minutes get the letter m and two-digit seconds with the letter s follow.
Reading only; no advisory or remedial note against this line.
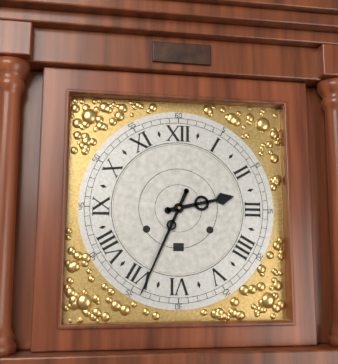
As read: 2h34
